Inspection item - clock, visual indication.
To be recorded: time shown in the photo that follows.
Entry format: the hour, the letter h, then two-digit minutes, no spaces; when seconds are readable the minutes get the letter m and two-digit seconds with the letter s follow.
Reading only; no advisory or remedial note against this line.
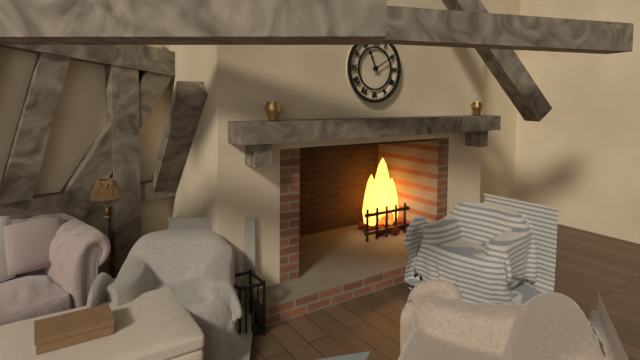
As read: 11h10
